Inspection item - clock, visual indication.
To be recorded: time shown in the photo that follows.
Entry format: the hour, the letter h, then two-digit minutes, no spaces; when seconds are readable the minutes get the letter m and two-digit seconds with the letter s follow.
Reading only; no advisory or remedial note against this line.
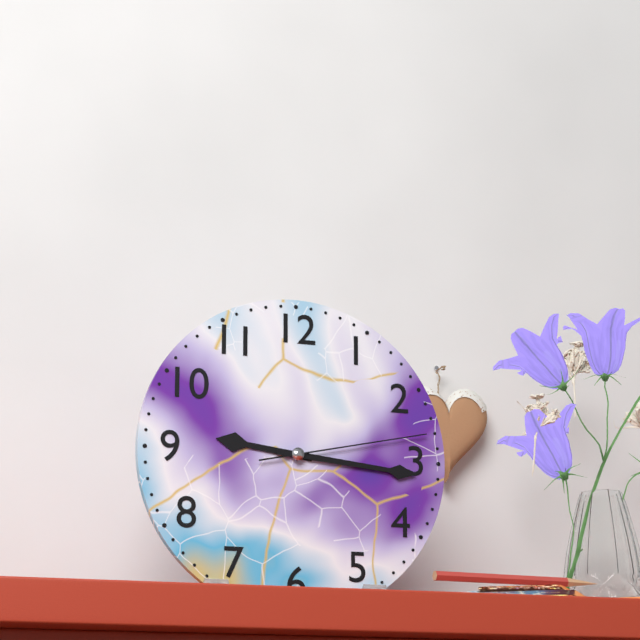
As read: 9h16m13s
